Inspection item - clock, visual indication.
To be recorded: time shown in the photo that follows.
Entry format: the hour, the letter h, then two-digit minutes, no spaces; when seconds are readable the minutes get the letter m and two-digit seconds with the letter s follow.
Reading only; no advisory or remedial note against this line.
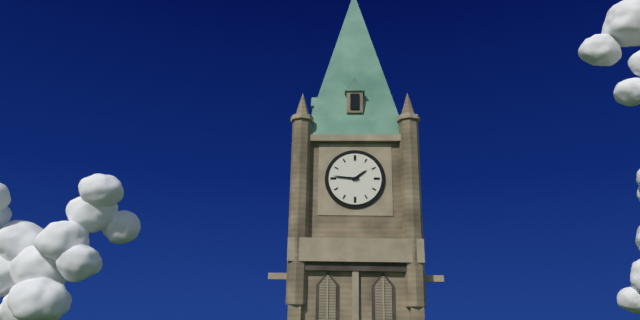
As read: 1h46
